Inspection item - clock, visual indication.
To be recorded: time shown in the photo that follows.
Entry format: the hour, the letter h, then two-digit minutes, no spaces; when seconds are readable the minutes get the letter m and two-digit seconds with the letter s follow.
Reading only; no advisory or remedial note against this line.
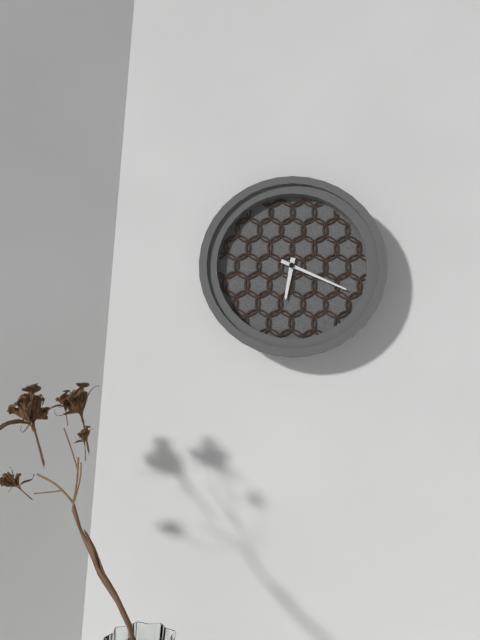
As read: 6h19
